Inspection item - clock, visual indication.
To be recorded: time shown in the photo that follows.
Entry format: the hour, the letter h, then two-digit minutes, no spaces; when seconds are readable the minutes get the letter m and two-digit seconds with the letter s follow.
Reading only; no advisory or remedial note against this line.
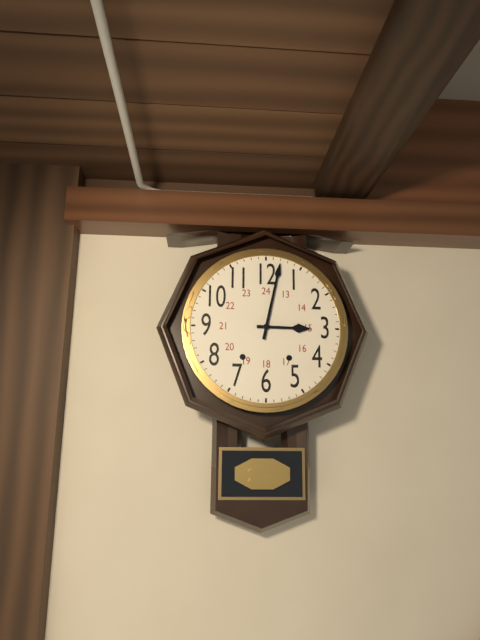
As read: 3h02
